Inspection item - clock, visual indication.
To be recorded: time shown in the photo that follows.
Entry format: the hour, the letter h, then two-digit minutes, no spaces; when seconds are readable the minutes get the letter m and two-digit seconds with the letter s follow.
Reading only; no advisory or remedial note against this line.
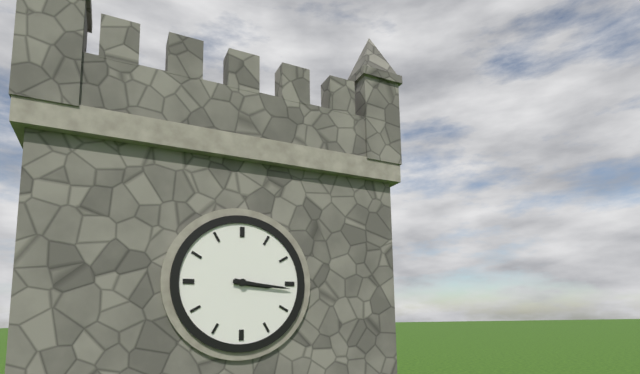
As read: 3h16
